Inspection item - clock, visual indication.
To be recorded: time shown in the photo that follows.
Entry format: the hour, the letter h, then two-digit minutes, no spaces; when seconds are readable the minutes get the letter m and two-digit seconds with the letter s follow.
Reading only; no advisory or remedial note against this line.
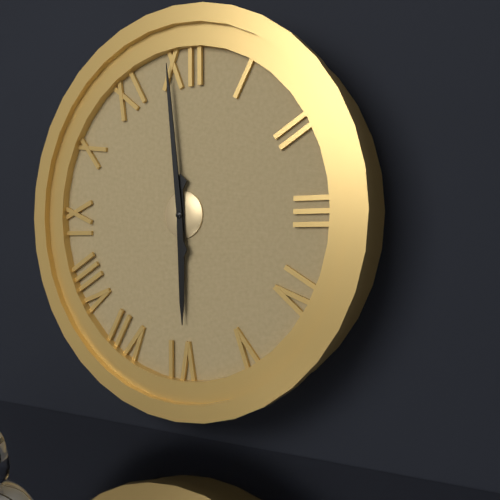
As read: 5h59
